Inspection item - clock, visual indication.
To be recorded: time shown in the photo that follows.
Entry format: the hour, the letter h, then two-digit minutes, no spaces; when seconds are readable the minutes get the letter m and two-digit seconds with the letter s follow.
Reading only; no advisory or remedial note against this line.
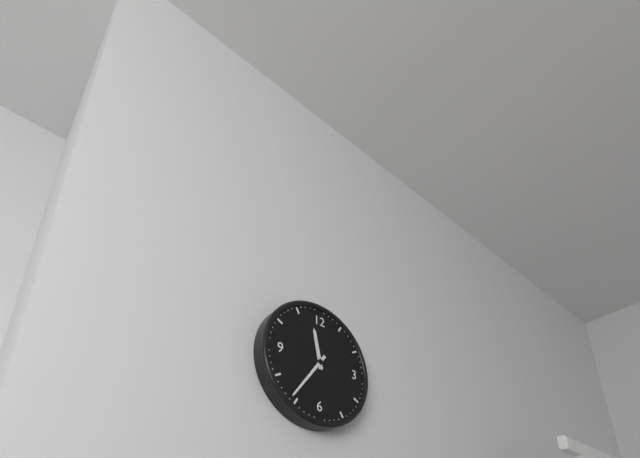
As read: 11h36
